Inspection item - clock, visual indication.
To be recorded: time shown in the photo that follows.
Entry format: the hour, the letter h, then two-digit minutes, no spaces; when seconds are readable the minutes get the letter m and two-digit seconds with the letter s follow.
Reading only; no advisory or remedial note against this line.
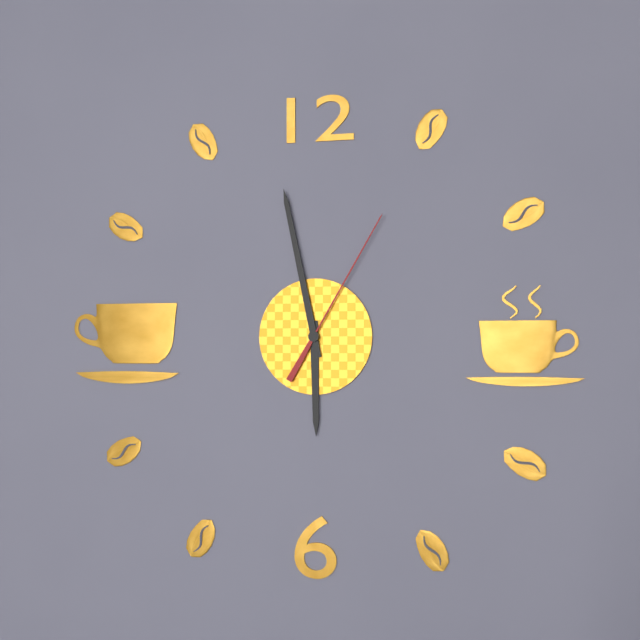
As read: 5h58m05s
